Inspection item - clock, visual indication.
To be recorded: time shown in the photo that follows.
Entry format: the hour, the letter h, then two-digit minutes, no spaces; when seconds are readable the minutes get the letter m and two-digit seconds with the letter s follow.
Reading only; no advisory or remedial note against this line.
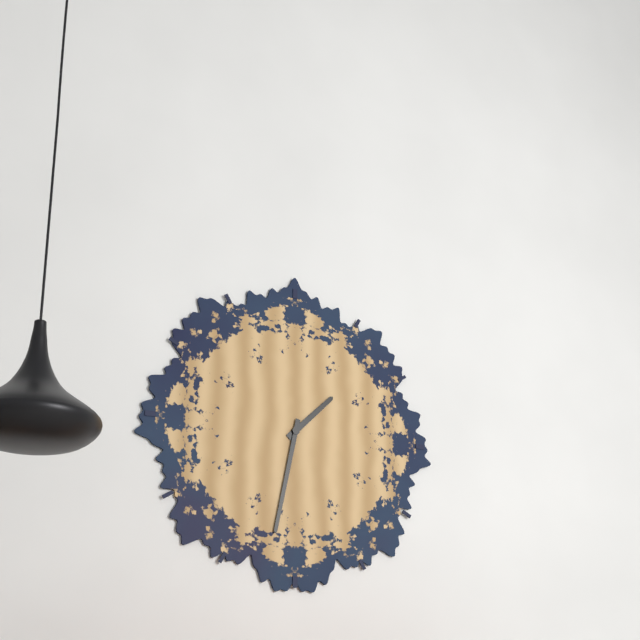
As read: 1h32
